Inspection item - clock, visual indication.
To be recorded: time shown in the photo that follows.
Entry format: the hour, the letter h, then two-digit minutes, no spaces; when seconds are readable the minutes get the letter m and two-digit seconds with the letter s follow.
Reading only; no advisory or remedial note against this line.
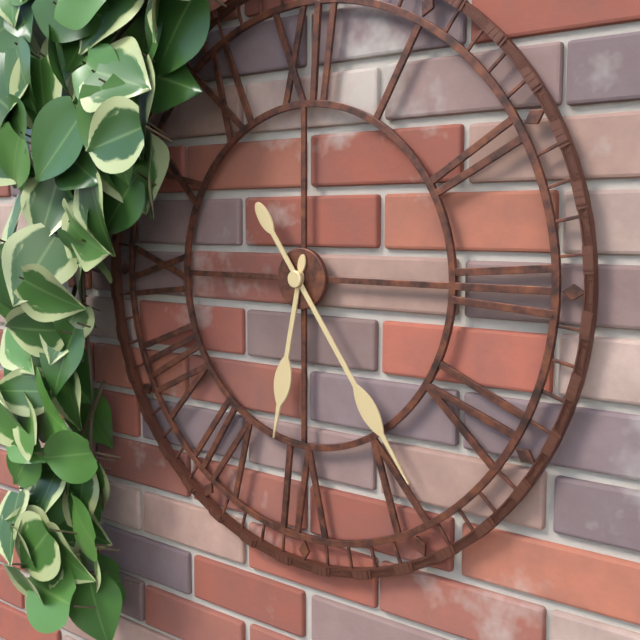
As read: 6h24
